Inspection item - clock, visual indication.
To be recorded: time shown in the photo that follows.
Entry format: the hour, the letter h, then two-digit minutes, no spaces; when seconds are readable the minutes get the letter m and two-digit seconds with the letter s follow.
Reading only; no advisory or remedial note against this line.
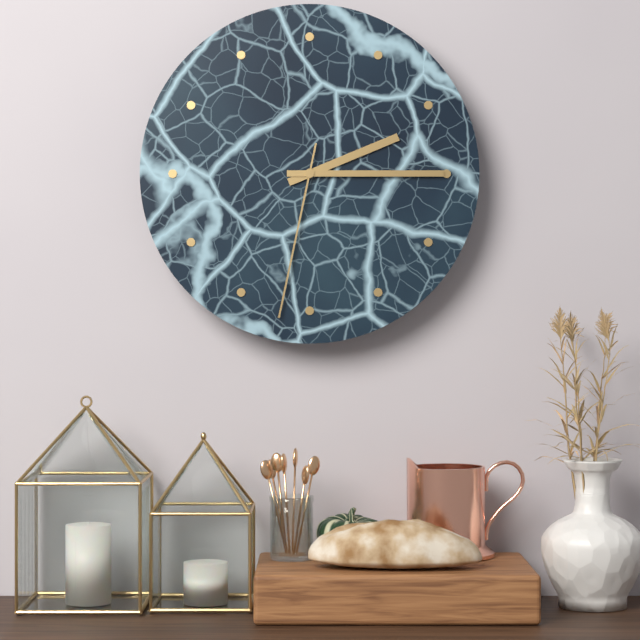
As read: 2h15m32s
